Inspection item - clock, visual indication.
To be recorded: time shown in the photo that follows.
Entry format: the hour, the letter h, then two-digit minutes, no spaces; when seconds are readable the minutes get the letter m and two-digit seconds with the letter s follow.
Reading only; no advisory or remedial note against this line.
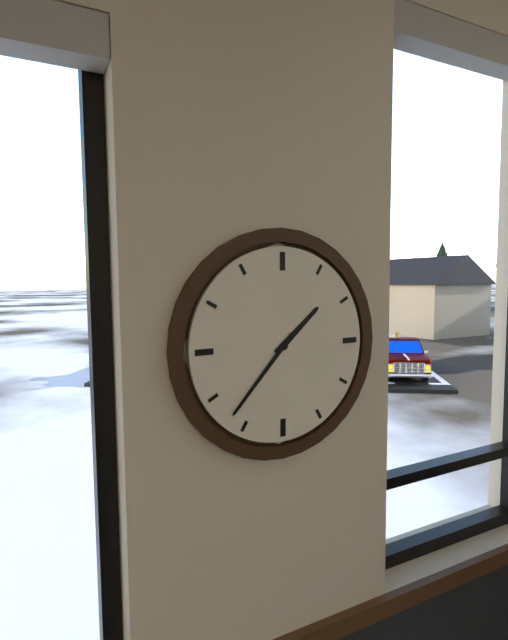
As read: 1h37
